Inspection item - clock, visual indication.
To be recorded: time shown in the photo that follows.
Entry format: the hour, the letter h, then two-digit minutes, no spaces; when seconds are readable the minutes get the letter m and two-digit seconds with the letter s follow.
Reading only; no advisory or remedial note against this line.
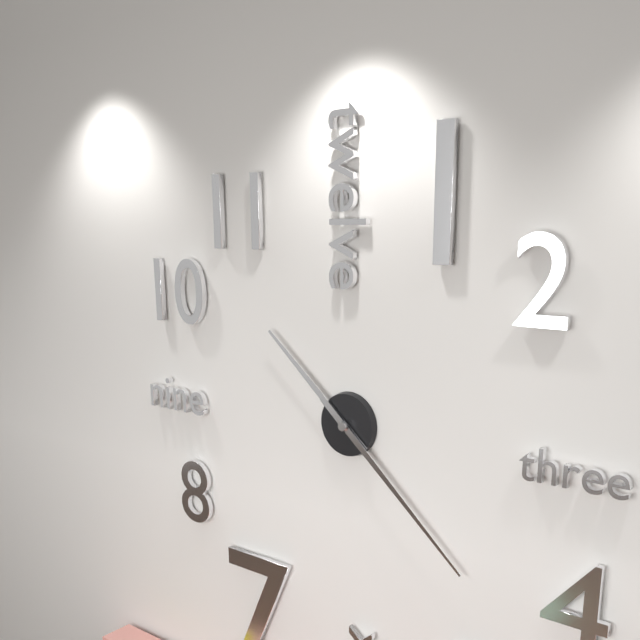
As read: 10h22
